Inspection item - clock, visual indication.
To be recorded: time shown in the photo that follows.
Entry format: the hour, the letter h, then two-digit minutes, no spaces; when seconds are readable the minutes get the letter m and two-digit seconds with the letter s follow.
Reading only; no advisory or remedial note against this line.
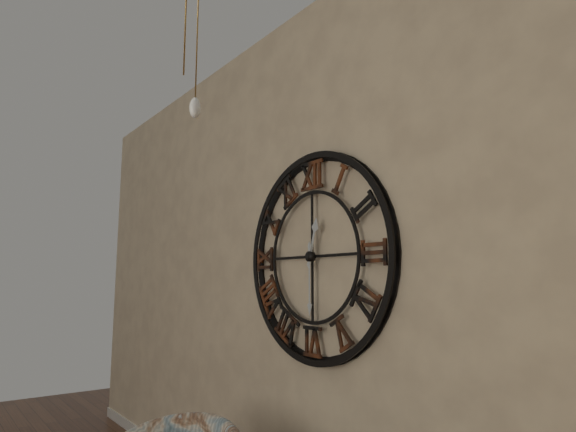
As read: 12h30
